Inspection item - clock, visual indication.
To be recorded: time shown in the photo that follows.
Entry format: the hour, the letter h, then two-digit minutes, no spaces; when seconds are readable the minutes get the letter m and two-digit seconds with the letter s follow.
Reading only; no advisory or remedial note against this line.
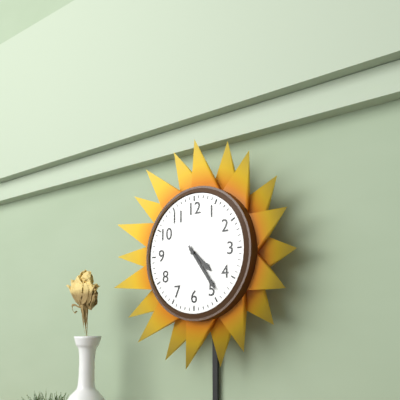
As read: 4h24
